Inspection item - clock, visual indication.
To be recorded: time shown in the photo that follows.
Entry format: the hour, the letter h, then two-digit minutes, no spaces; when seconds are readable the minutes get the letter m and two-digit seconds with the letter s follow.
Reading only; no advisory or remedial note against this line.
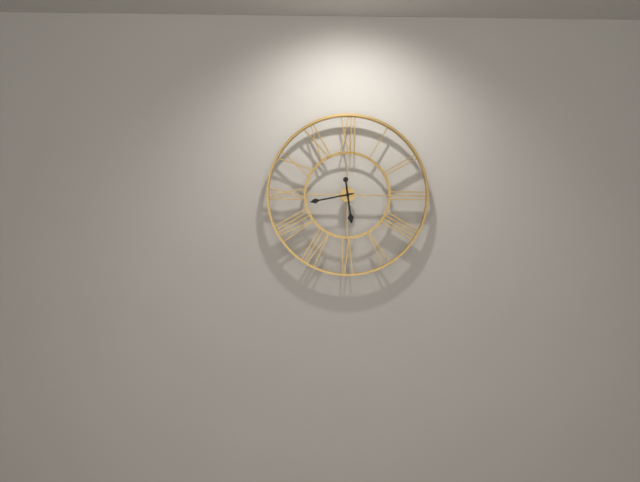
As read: 5h43
